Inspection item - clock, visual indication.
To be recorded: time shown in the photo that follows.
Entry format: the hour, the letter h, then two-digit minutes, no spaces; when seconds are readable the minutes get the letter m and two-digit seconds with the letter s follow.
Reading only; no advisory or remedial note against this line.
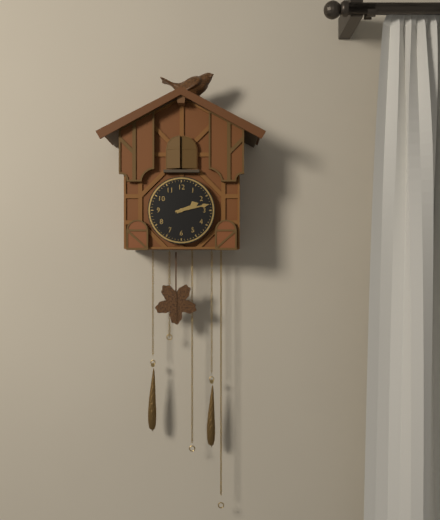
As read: 2h13
